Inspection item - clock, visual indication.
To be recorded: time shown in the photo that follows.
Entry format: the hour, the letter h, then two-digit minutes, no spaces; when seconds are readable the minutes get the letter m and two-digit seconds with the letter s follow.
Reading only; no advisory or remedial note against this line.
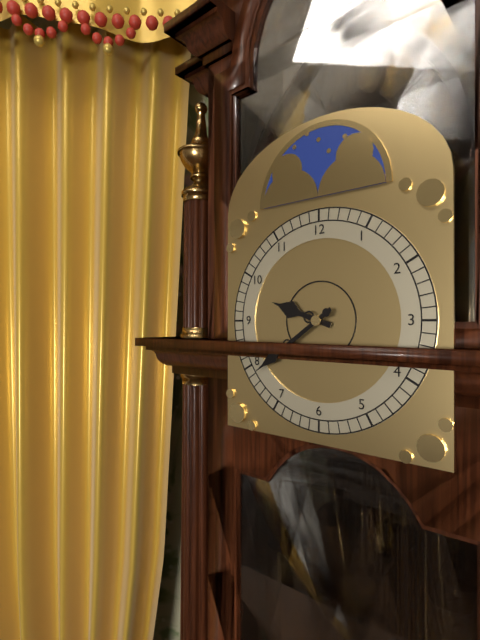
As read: 9h39
